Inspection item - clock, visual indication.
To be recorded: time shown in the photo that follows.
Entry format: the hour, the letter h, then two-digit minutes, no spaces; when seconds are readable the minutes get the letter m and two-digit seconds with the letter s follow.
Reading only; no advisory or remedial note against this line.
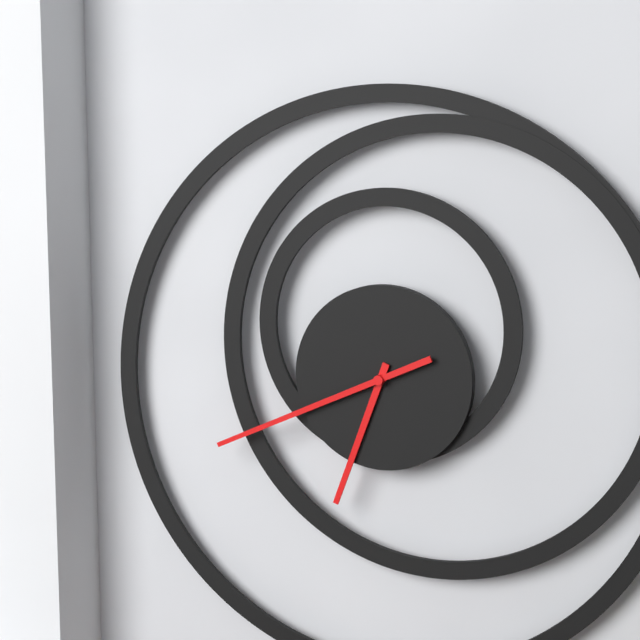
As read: 6h41
